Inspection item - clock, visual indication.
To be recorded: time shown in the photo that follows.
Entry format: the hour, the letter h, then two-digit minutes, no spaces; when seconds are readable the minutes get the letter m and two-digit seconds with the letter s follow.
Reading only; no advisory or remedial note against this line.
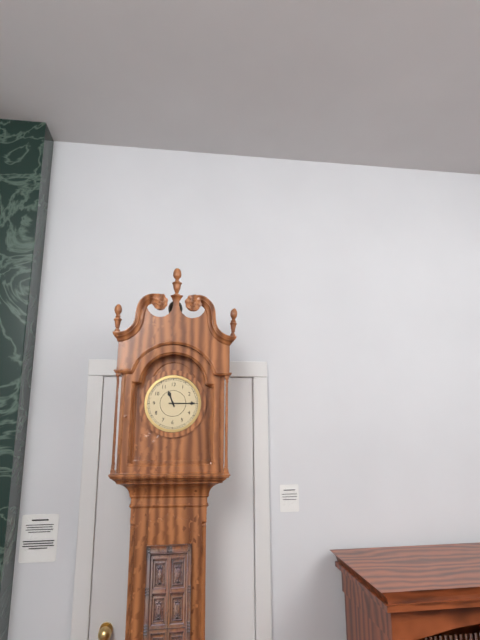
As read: 11h15
